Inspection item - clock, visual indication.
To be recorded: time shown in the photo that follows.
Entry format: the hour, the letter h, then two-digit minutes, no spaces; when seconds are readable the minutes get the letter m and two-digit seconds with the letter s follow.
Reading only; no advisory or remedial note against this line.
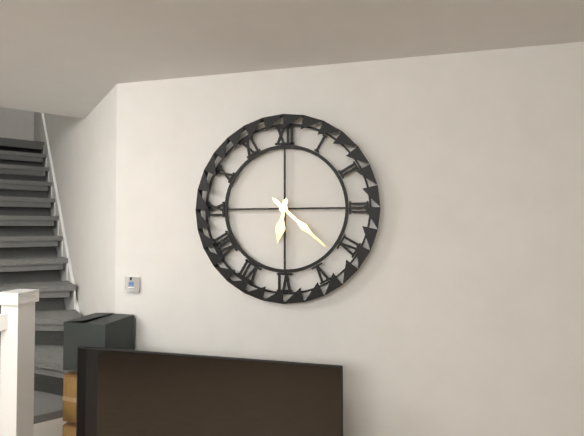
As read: 6h22
